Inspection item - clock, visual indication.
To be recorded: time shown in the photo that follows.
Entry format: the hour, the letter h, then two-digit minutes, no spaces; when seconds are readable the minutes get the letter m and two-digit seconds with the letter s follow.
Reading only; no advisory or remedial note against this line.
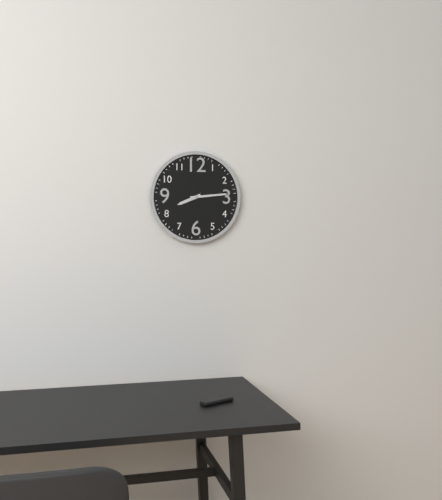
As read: 8h14
